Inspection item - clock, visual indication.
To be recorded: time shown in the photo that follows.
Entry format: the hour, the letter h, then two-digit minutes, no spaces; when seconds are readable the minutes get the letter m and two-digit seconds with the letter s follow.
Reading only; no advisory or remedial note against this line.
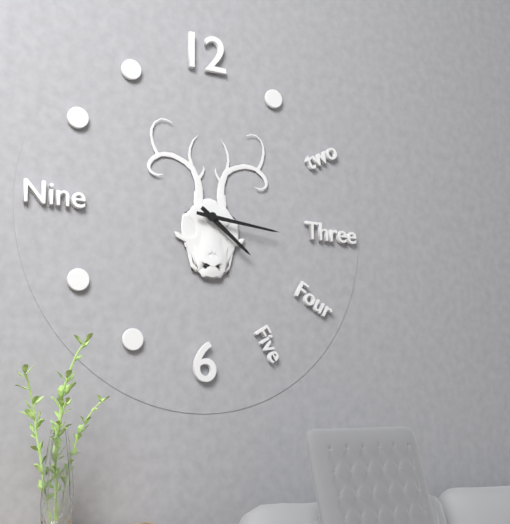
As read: 4h16
